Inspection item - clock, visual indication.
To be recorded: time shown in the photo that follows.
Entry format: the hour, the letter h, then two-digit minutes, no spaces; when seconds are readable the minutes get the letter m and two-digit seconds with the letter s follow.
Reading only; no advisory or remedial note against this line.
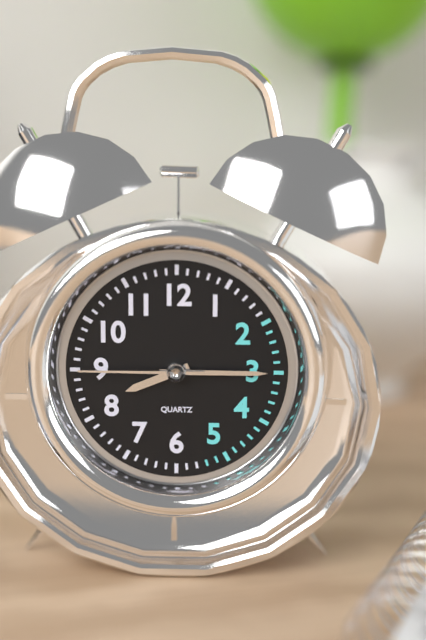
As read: 8h15m45s
